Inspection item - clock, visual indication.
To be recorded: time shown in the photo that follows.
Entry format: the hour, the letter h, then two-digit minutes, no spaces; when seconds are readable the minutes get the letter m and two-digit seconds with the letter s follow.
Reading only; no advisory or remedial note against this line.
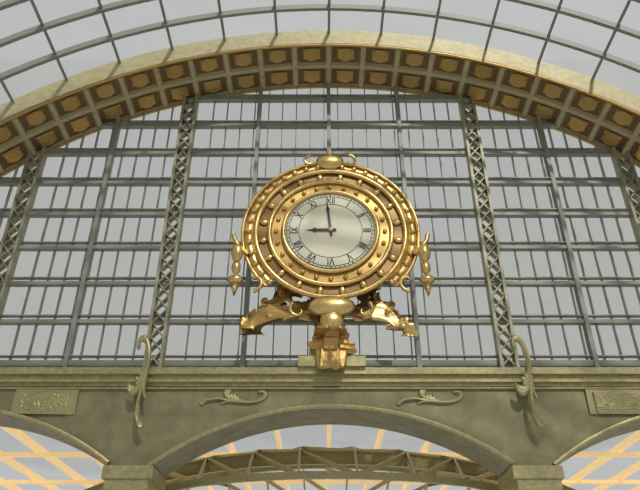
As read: 8h59
